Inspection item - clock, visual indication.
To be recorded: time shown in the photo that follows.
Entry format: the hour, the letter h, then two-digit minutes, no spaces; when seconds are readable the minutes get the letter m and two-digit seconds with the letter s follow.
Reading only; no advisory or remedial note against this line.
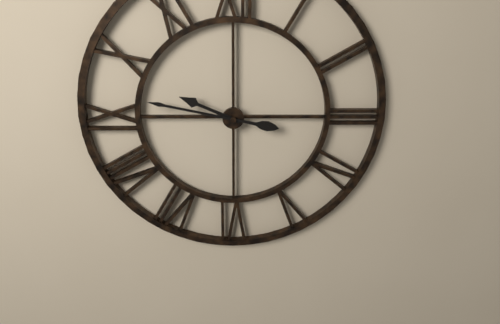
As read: 9h47
